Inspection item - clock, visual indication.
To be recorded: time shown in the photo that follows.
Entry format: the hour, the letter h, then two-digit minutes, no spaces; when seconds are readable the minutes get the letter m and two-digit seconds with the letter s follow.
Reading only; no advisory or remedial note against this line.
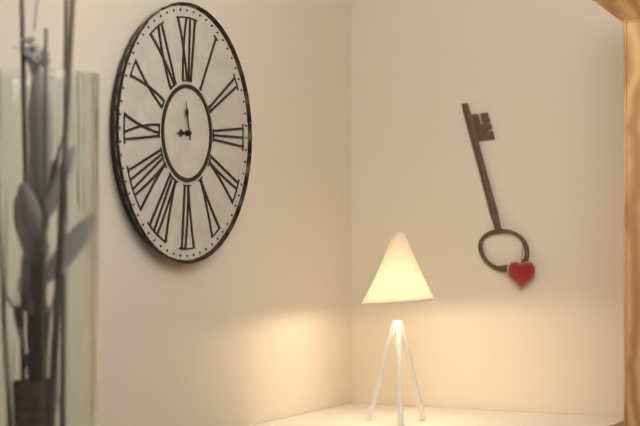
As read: 8h58
